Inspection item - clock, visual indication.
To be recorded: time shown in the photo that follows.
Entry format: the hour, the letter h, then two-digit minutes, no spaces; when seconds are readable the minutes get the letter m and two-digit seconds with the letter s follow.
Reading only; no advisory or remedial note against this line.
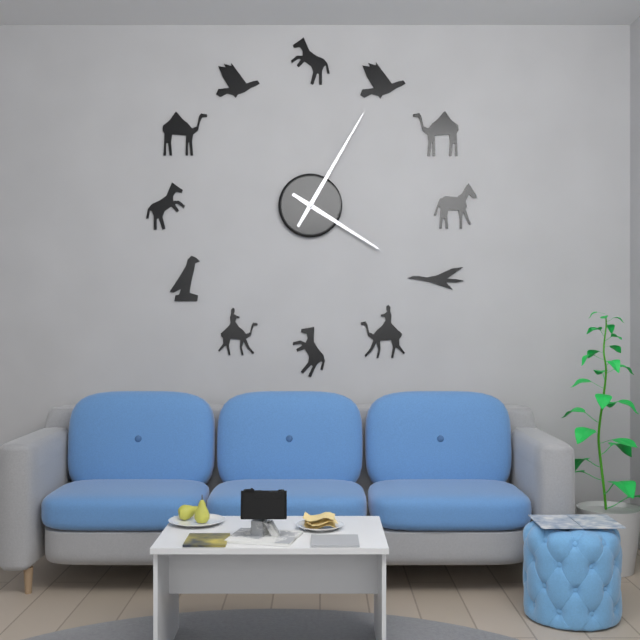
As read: 4h05
